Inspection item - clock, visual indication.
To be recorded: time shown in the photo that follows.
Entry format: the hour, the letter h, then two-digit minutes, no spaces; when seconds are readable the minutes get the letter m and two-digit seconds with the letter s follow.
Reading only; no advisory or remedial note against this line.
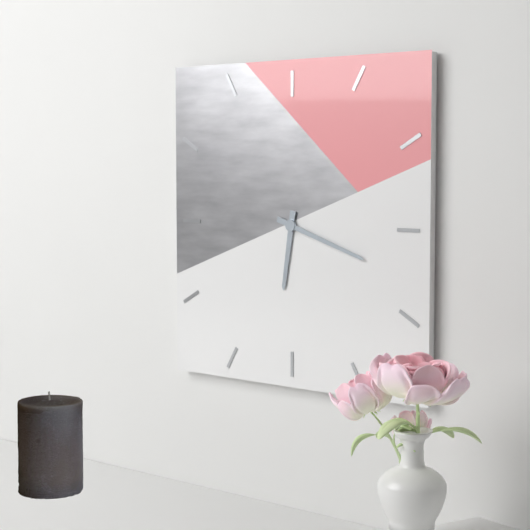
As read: 6h18
